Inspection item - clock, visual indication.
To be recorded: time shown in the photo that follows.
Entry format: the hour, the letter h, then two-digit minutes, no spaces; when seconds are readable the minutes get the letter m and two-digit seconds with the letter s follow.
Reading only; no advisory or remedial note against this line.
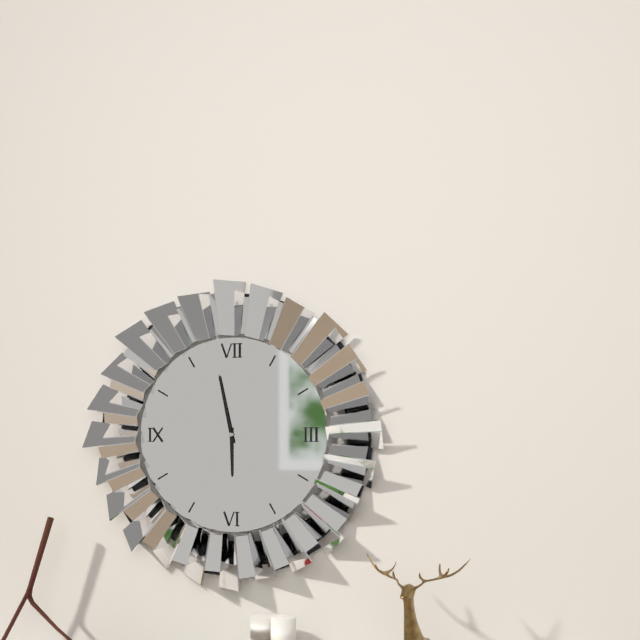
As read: 5h58
